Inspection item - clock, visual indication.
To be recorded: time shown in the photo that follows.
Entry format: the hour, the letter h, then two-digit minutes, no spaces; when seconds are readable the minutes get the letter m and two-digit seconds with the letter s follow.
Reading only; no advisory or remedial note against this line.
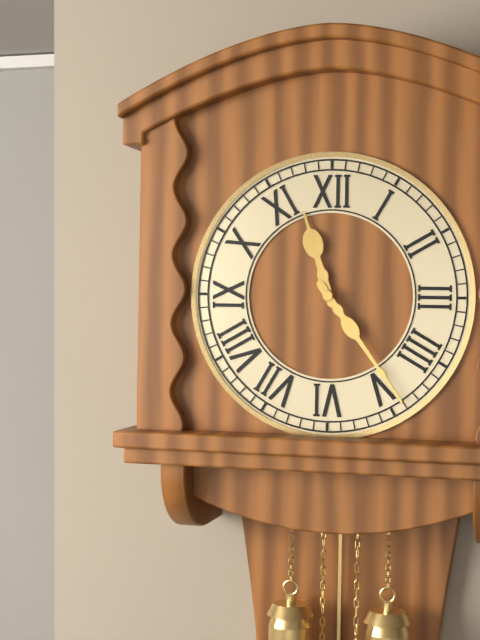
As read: 11h24
